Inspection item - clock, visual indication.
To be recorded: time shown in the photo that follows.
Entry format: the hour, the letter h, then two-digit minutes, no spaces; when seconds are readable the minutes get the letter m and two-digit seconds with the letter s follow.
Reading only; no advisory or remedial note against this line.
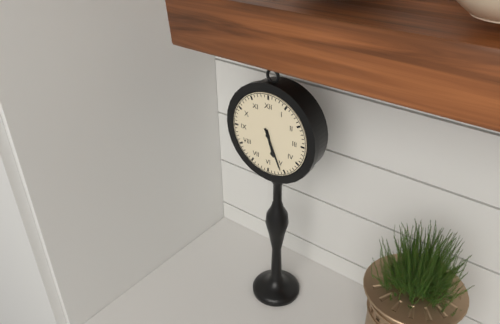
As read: 5h26
